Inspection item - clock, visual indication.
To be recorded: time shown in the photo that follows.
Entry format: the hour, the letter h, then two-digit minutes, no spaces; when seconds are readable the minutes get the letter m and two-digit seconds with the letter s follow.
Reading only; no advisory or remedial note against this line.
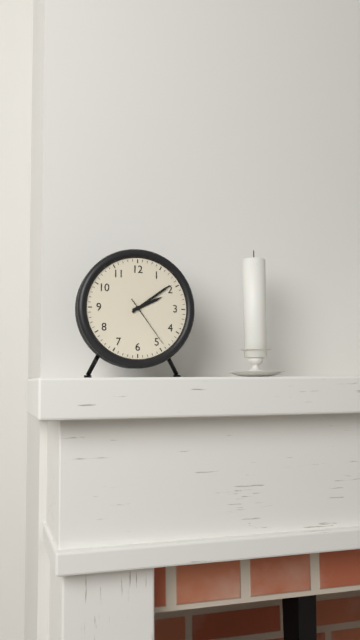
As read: 2h09m24s
